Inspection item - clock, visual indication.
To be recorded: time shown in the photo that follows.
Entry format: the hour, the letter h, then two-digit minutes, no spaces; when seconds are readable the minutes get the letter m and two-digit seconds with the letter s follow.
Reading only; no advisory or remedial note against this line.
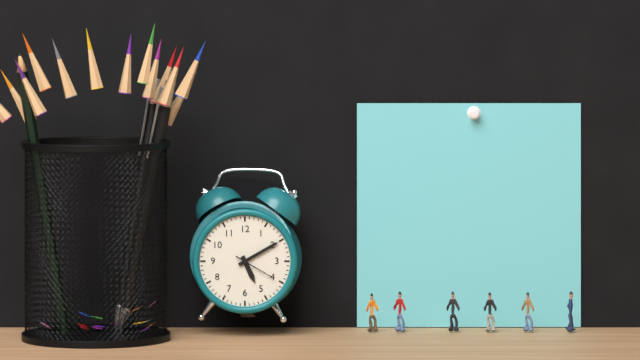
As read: 5h10
